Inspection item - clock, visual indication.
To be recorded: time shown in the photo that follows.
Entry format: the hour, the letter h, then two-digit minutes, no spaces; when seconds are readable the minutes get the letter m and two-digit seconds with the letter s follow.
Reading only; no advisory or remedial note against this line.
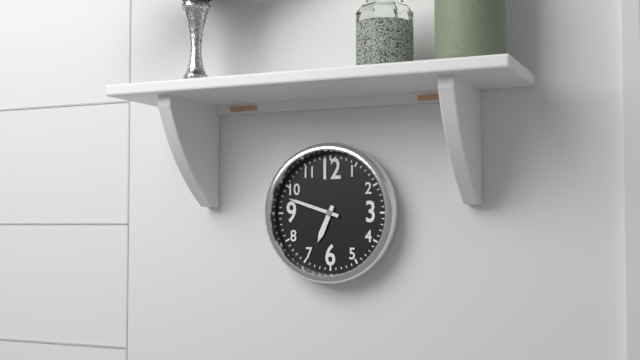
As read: 6h48
